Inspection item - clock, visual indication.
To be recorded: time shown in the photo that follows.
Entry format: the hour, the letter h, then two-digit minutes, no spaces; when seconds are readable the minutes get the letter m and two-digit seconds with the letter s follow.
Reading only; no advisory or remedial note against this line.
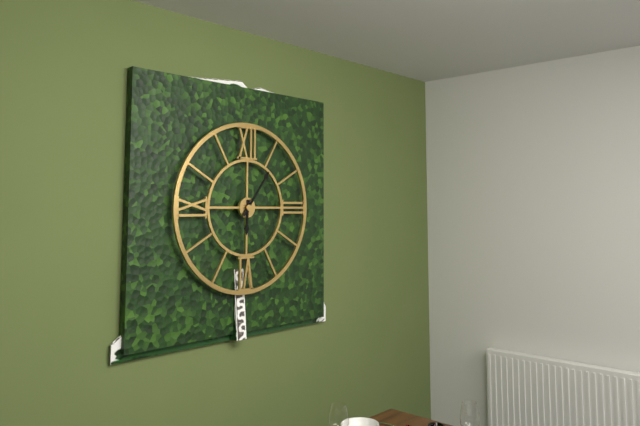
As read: 6h06
